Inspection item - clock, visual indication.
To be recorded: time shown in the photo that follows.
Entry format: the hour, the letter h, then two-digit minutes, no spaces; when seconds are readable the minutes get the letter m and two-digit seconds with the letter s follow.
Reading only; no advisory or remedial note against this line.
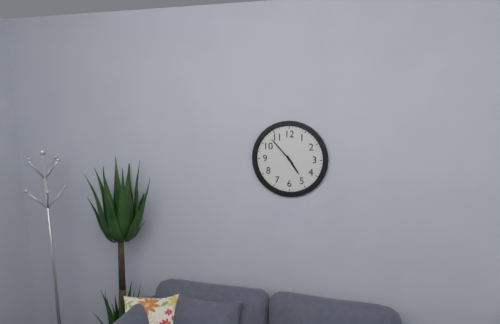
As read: 4h53
